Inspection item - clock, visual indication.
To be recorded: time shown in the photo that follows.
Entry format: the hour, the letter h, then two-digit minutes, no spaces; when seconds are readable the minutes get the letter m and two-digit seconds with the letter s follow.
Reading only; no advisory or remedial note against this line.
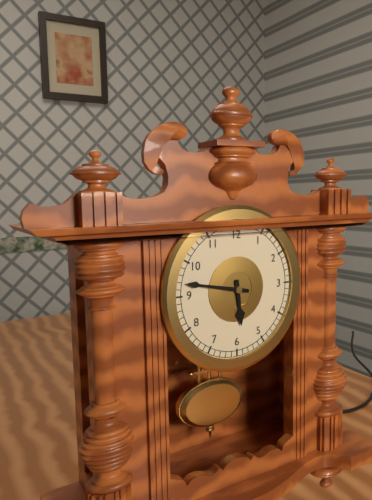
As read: 5h47
